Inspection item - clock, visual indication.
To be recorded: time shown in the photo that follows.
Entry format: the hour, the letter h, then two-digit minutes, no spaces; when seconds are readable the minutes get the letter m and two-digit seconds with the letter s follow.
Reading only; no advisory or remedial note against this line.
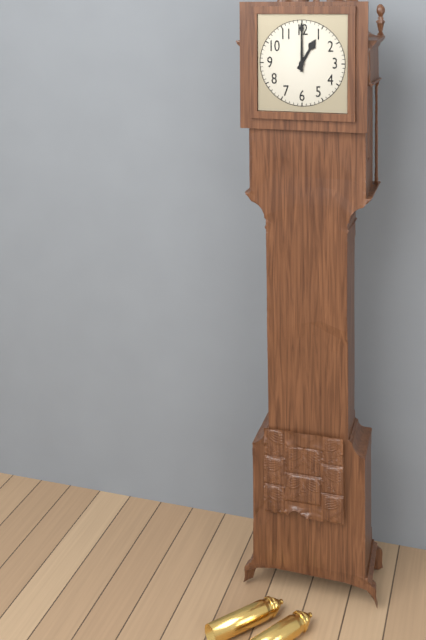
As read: 1h00
